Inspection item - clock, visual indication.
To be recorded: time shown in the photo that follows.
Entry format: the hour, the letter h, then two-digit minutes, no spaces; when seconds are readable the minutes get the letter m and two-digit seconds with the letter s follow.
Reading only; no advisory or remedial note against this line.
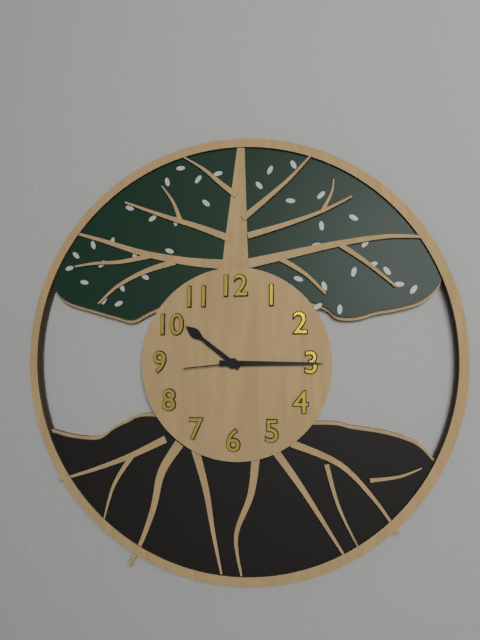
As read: 10h15m44s
